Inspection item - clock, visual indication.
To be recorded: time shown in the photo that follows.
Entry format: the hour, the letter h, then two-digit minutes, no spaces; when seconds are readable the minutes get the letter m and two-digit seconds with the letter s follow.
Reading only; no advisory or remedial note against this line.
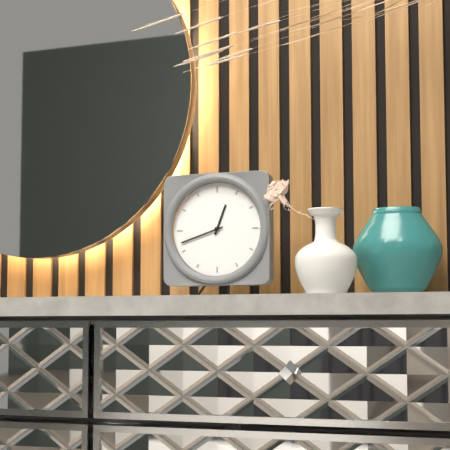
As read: 12h42
